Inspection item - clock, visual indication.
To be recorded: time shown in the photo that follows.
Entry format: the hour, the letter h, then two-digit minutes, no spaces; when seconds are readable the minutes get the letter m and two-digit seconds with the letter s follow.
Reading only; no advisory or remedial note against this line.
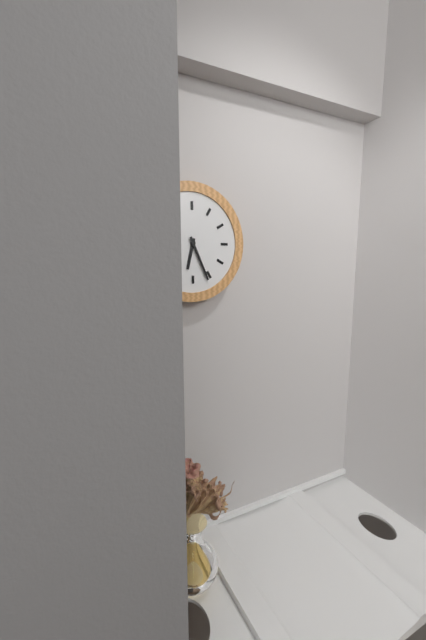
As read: 6h26
